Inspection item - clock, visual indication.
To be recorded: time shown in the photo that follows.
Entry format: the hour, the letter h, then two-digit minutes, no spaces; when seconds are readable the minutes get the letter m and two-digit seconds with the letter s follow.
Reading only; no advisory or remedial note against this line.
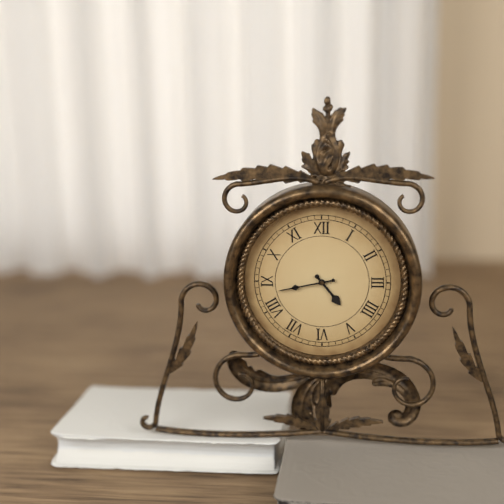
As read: 4h43
